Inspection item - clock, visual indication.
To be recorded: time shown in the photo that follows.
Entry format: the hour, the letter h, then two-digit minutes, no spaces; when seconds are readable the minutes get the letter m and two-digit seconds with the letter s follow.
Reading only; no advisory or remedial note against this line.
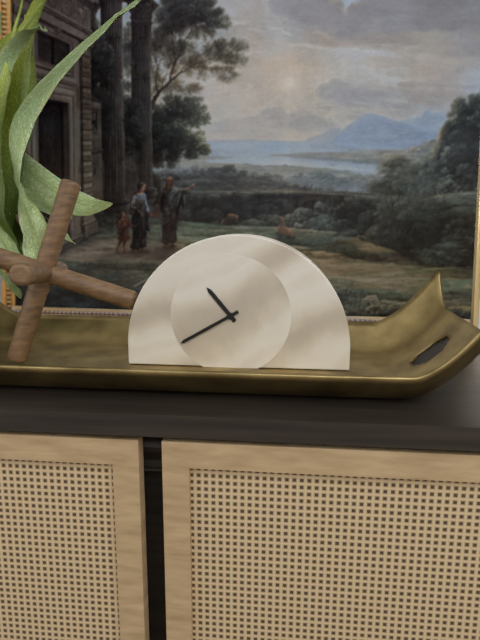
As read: 10h40
